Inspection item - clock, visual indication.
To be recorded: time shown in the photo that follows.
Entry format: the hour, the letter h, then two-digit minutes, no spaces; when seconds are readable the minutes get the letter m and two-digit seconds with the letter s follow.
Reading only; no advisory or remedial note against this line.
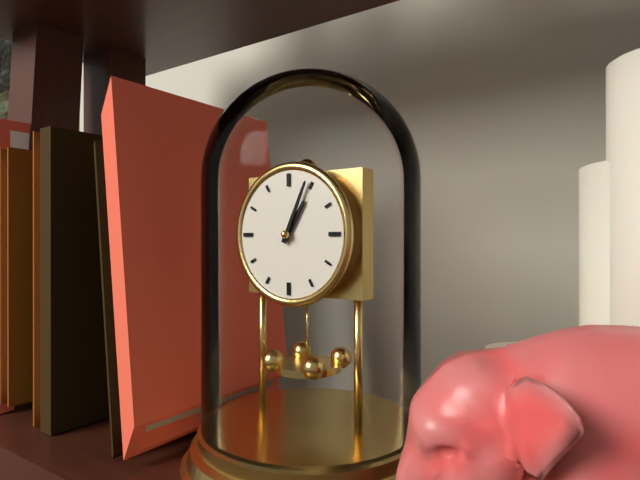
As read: 1h04
